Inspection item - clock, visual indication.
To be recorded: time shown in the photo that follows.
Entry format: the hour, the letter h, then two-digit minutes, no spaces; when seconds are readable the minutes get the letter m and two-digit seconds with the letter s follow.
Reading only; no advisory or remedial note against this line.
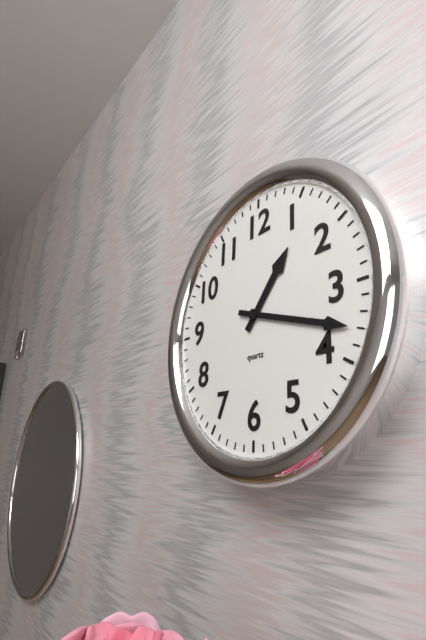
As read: 1h18
